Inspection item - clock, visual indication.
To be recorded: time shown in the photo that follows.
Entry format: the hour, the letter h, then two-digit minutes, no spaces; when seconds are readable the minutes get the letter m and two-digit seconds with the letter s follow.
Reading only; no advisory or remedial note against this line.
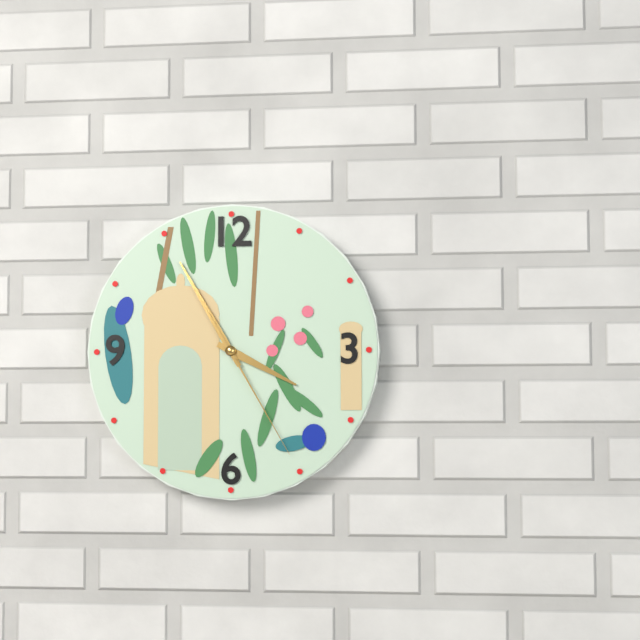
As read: 3h55m25s
